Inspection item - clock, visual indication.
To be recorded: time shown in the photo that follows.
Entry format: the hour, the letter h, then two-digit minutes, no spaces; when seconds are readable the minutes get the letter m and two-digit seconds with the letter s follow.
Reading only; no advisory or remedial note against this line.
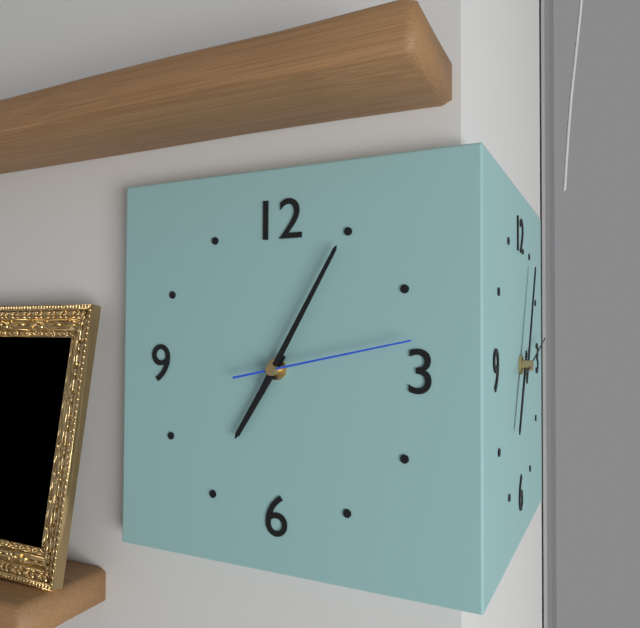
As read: 7h05m13s
